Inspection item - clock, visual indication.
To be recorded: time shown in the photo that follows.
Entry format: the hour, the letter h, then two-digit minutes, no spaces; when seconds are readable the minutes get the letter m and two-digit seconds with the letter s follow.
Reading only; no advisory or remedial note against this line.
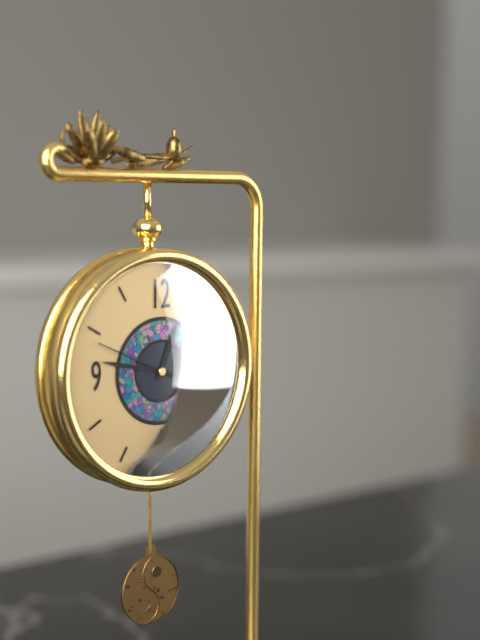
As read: 12h47m49s
